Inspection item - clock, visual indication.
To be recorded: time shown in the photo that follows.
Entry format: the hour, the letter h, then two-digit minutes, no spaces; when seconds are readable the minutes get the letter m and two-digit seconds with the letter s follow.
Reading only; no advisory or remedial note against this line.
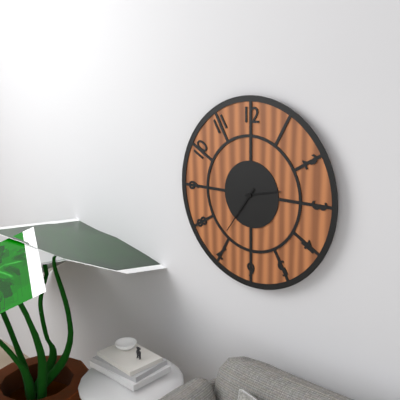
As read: 2h36
